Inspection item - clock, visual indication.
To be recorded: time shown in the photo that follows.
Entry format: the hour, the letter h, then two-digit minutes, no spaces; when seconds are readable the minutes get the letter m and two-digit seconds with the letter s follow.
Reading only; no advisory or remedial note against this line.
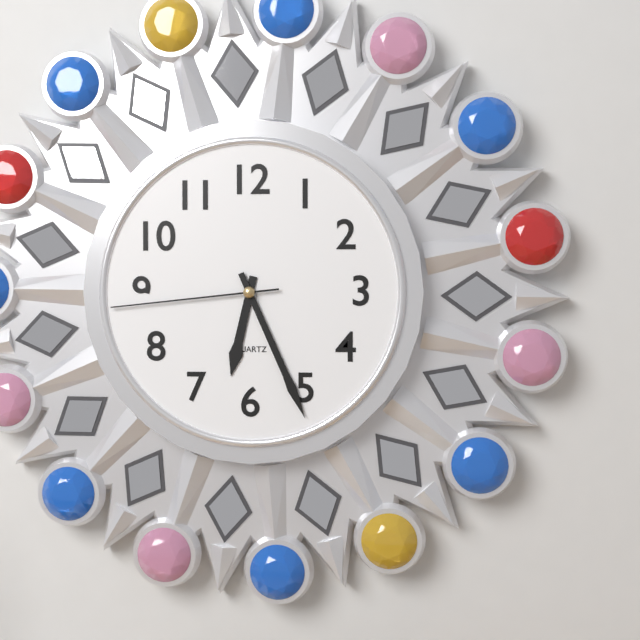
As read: 6h26m44s
